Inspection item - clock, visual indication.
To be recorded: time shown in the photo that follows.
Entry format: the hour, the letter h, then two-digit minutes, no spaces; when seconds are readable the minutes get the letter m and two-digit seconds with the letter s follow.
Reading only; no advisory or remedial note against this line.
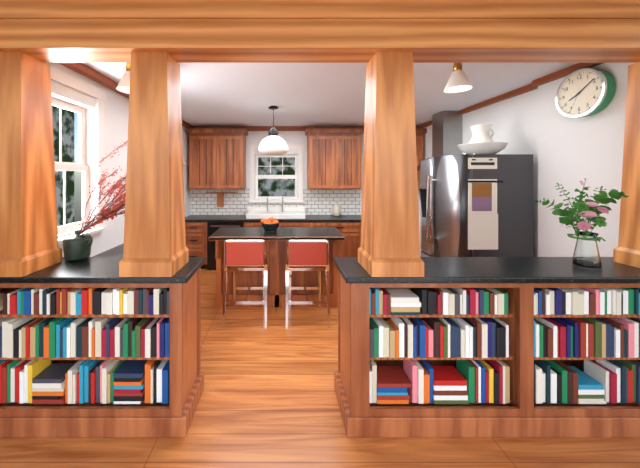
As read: 8h09
